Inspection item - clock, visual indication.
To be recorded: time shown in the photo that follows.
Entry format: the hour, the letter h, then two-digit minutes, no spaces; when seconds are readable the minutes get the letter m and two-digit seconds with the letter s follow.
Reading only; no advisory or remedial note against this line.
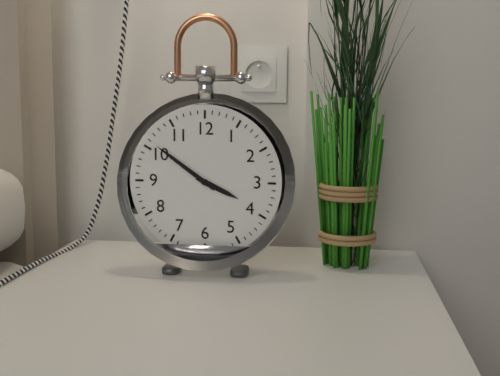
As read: 3h51
